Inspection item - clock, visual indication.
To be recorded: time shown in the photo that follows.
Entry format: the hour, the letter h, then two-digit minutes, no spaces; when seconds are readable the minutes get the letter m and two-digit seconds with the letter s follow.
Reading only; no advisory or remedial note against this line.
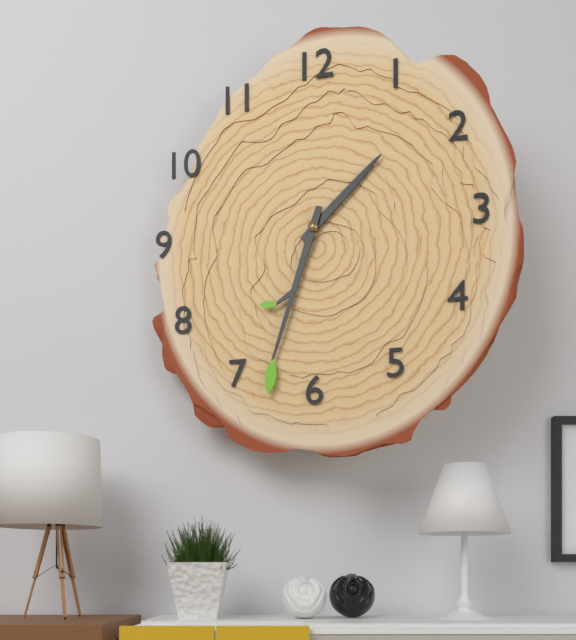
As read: 1h33
